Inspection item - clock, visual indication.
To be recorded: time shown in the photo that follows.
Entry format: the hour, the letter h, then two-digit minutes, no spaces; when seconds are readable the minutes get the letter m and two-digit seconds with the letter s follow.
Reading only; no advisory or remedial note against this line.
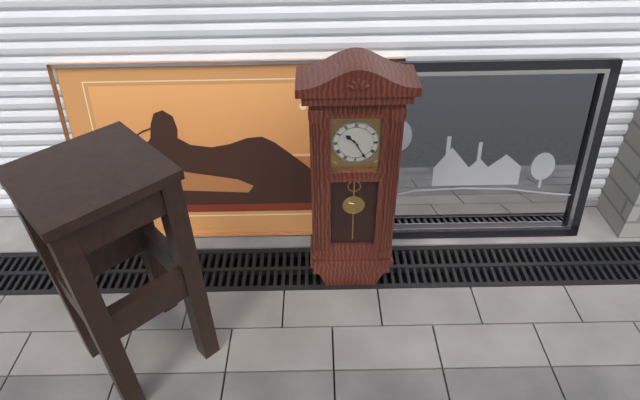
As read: 10h25
